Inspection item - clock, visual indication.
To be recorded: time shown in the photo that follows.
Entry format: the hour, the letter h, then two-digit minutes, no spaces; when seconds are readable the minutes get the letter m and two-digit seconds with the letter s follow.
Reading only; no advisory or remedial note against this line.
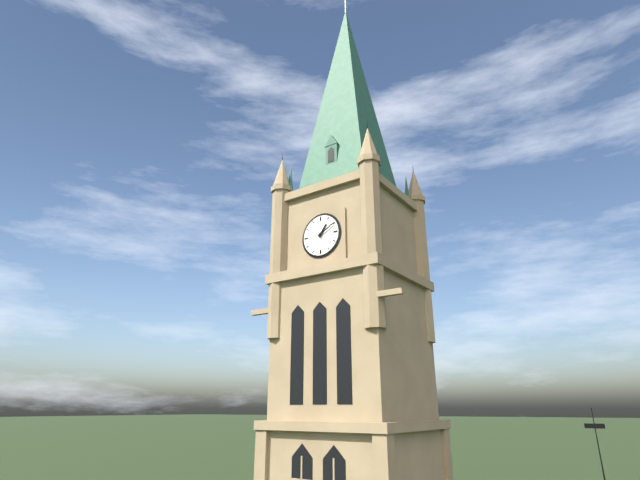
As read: 1h10
